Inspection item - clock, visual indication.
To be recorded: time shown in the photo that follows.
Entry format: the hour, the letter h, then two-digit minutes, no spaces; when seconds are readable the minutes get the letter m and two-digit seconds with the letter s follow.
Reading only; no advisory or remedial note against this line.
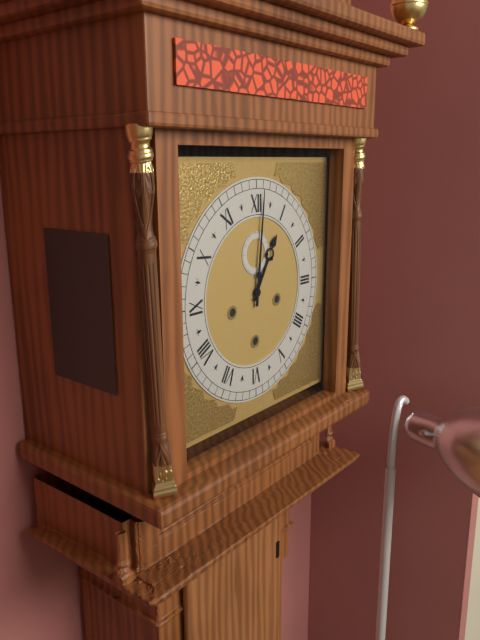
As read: 1h01
